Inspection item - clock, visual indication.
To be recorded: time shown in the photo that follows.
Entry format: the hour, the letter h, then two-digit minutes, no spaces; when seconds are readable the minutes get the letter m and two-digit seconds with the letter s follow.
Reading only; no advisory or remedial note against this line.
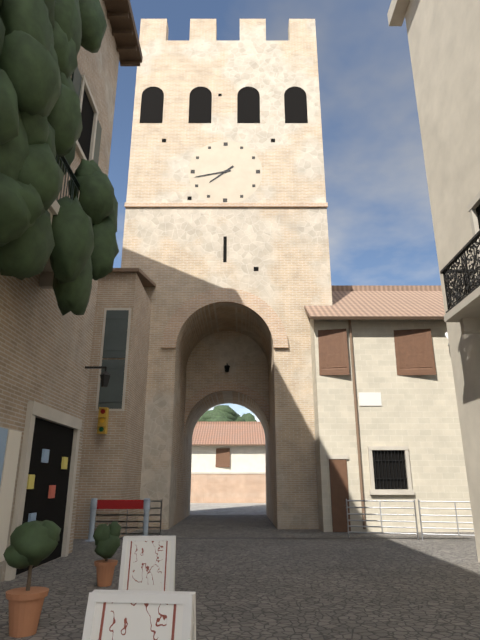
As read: 7h43
